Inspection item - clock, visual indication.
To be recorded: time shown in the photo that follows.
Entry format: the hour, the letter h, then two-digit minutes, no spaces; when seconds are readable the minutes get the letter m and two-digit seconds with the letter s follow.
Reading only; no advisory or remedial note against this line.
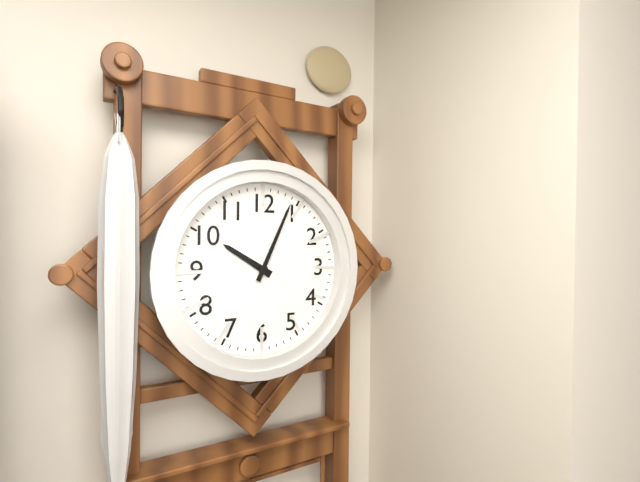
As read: 10h04
